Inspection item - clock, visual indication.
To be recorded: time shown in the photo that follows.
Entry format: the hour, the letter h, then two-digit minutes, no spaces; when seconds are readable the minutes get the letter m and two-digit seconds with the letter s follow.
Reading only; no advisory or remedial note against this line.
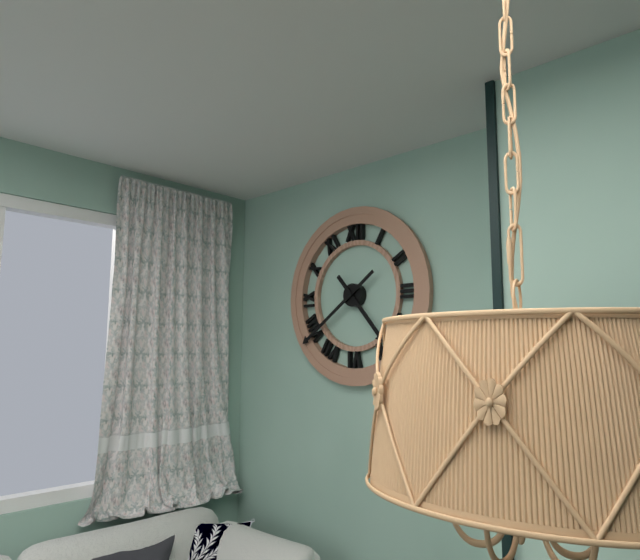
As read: 4h39
